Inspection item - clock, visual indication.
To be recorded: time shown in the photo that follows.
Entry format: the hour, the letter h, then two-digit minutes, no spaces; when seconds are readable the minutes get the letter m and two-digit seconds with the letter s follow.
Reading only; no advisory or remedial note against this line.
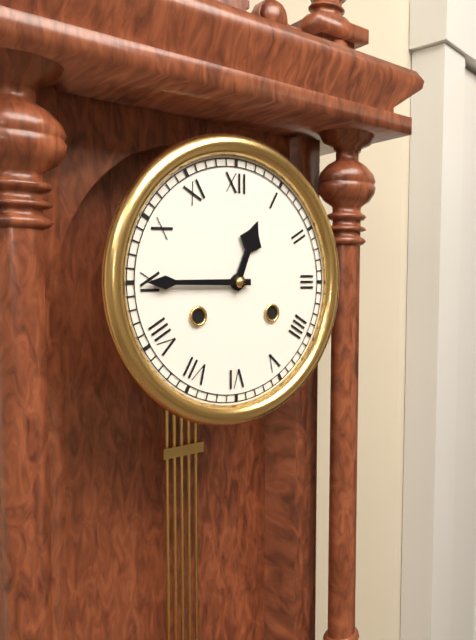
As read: 12h45
